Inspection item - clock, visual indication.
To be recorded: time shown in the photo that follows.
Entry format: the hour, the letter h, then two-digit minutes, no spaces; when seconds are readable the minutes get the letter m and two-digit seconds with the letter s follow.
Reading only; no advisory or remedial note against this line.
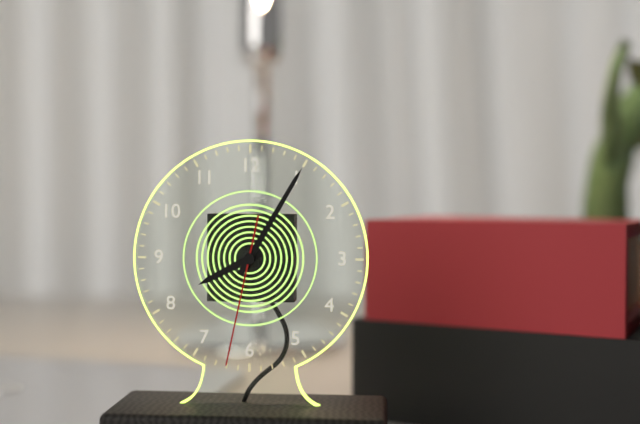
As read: 8h05m32s
